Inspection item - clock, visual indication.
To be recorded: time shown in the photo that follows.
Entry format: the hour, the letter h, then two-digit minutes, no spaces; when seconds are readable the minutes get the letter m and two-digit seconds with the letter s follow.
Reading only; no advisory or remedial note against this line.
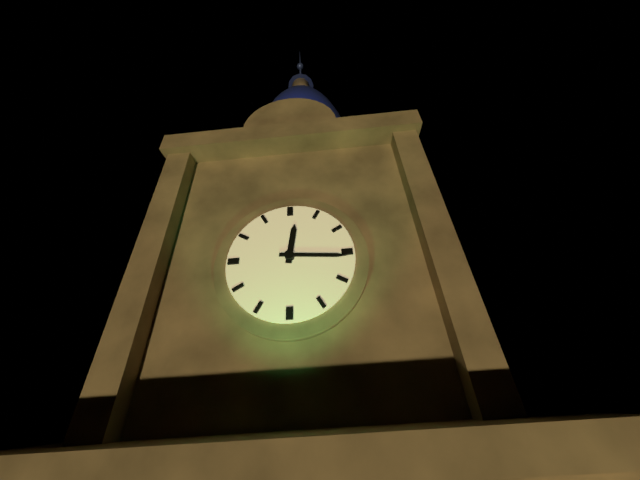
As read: 12h16
